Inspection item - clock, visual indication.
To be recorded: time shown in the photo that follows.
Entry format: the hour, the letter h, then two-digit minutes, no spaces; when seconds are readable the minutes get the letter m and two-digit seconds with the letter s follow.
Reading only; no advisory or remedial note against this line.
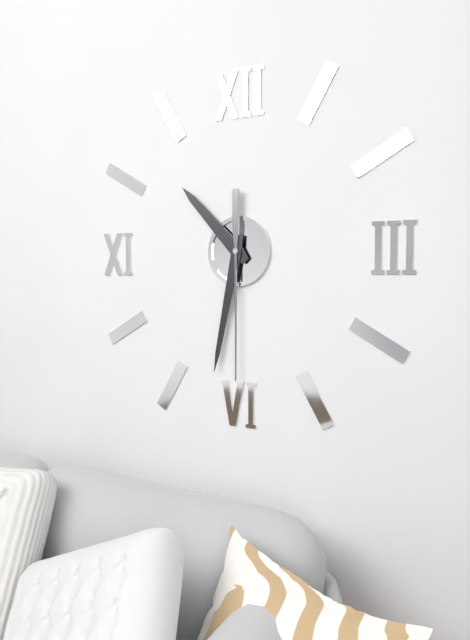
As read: 10h32m30s
